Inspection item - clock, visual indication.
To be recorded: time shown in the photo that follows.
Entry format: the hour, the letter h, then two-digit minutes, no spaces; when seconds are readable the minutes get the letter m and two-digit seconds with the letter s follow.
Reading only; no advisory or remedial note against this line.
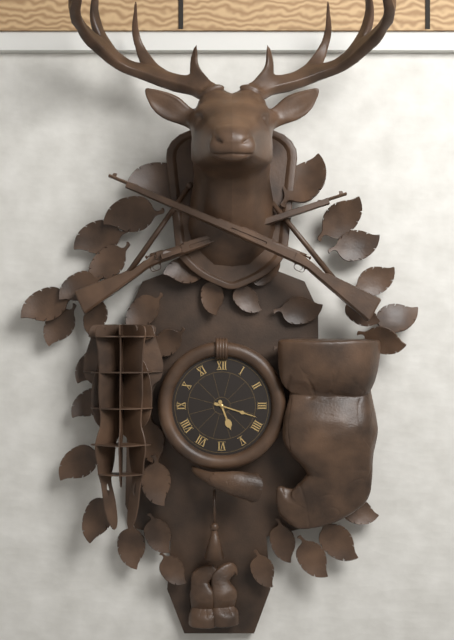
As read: 5h18
